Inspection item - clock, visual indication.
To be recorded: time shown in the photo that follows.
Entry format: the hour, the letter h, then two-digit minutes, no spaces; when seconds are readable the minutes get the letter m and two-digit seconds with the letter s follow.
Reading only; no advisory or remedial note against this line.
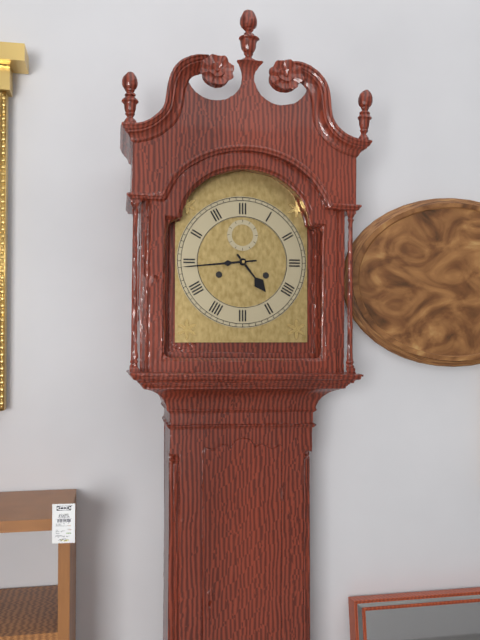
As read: 4h44
